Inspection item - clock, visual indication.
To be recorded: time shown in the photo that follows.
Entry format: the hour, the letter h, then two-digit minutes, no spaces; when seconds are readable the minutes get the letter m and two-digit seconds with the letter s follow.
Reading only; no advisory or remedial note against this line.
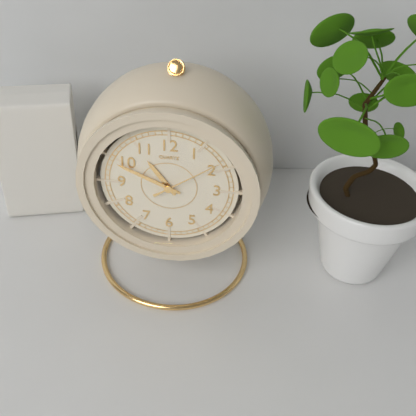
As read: 10h49m09s
